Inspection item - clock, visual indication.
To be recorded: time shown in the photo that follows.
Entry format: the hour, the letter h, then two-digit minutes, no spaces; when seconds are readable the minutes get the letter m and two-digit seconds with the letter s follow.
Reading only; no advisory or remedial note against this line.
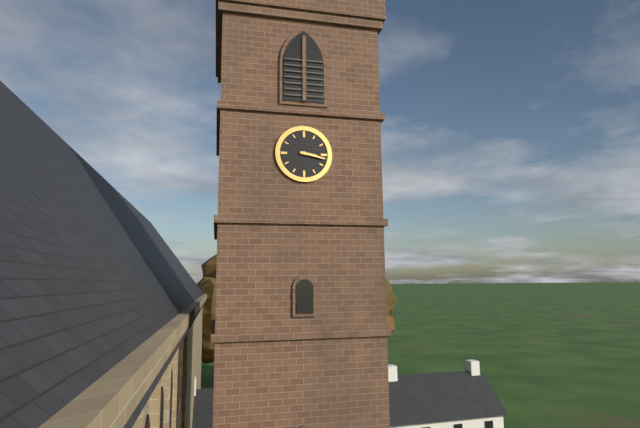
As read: 3h17
